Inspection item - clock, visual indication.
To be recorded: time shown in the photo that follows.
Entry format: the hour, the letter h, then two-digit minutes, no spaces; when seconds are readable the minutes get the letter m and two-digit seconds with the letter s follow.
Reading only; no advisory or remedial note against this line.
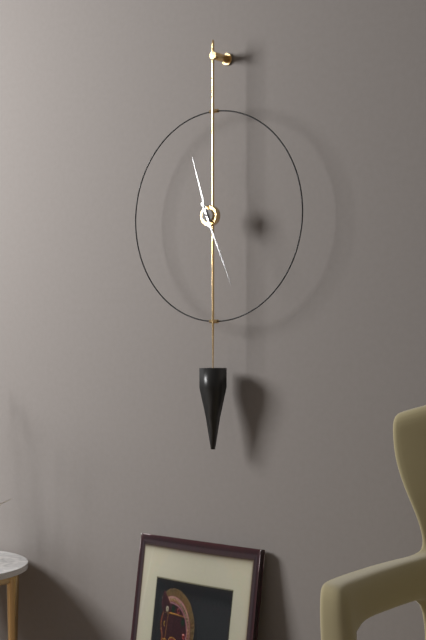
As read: 11h26
